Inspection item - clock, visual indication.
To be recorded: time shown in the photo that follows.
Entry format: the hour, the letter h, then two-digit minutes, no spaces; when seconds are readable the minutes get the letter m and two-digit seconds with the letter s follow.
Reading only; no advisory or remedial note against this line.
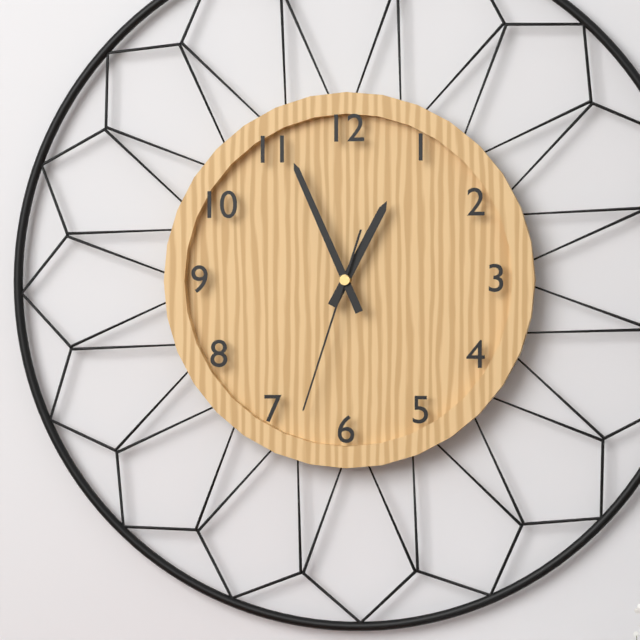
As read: 12h56m33s
